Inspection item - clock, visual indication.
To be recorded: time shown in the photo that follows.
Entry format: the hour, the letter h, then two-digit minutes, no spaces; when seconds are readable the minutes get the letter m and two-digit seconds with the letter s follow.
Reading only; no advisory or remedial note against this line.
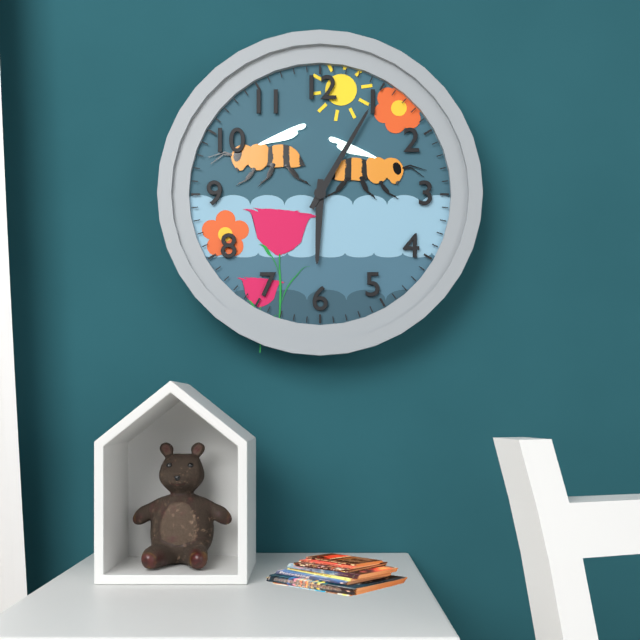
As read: 6h05
